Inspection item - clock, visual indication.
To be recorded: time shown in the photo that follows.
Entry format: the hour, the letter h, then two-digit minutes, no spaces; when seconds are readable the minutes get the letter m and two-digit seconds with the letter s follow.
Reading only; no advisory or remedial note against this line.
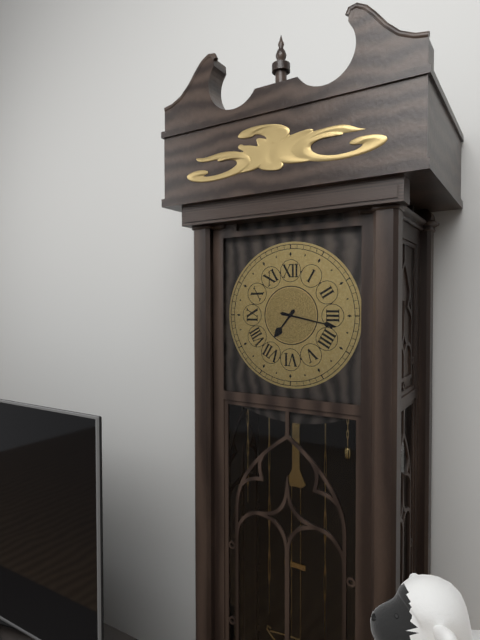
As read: 7h17
